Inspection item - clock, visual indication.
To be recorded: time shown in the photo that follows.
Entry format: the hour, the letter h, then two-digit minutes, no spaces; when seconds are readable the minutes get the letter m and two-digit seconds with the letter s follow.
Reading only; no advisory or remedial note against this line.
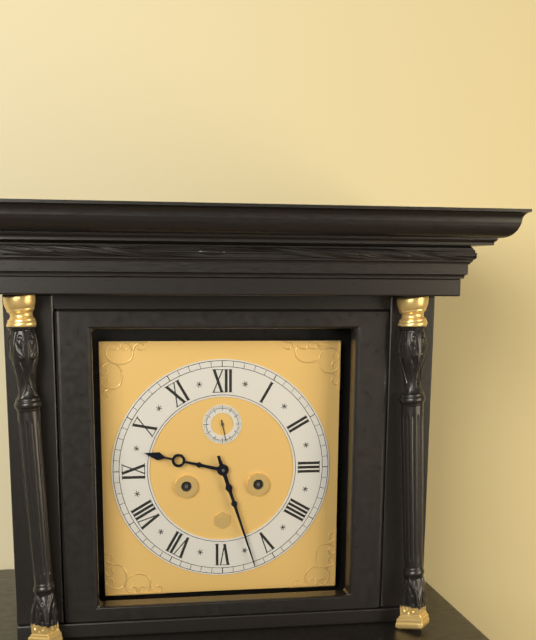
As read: 9h27
